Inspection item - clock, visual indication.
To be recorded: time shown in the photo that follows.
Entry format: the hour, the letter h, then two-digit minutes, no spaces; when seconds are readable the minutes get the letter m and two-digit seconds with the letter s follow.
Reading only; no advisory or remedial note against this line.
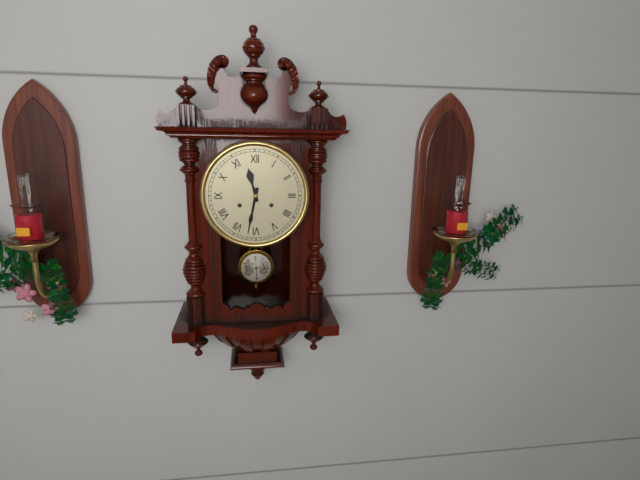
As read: 11h32
